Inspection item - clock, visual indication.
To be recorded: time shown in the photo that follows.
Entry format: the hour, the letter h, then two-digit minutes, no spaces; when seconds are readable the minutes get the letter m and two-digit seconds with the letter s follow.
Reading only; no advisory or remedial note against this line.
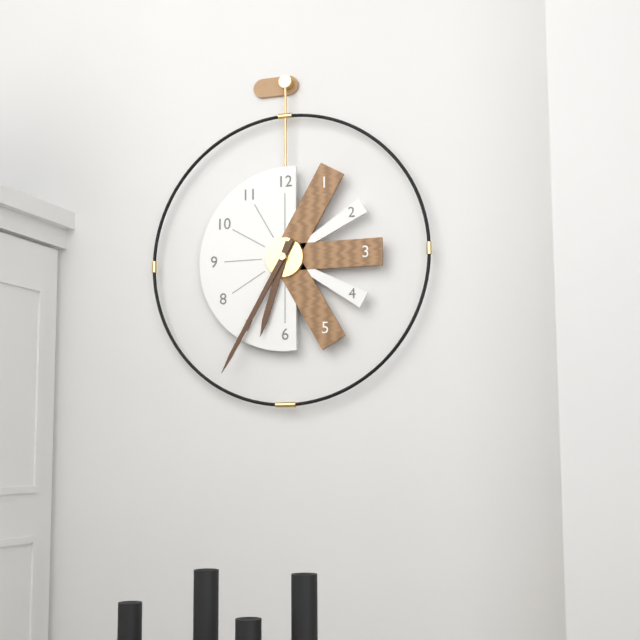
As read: 6h35
